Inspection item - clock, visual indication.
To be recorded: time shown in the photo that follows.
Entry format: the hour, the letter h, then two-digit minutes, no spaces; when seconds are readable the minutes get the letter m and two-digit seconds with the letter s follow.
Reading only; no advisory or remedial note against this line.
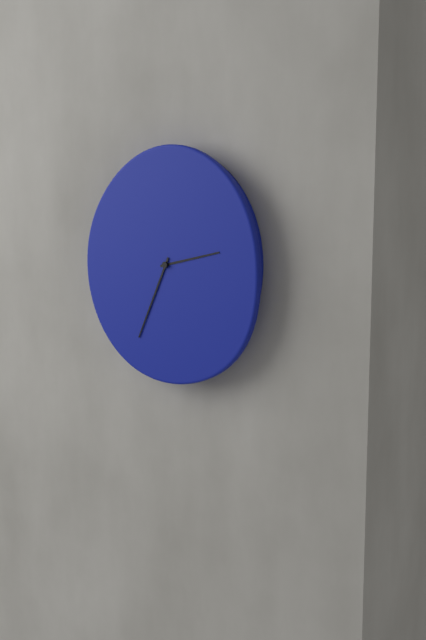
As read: 2h34
